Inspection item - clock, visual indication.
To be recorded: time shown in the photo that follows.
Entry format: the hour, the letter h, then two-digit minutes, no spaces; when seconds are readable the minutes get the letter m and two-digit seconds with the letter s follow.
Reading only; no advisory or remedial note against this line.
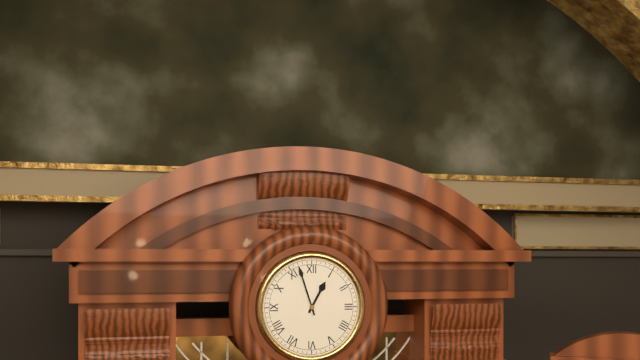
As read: 12h57
